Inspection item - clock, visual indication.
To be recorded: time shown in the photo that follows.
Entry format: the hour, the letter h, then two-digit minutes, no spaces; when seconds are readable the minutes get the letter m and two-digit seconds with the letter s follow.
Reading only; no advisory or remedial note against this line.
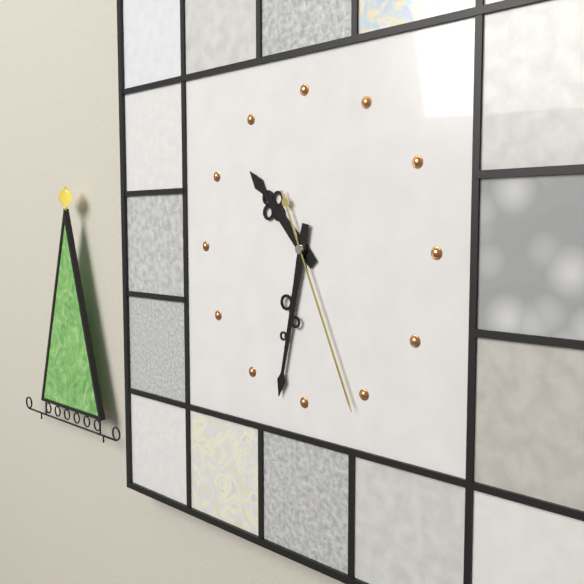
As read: 10h32m26s
